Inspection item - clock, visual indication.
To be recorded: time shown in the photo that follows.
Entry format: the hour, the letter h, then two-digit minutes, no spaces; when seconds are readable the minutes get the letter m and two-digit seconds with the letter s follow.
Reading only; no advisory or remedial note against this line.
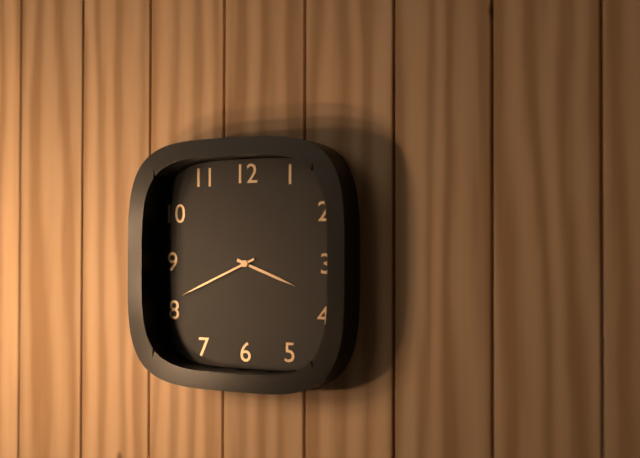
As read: 3h41
